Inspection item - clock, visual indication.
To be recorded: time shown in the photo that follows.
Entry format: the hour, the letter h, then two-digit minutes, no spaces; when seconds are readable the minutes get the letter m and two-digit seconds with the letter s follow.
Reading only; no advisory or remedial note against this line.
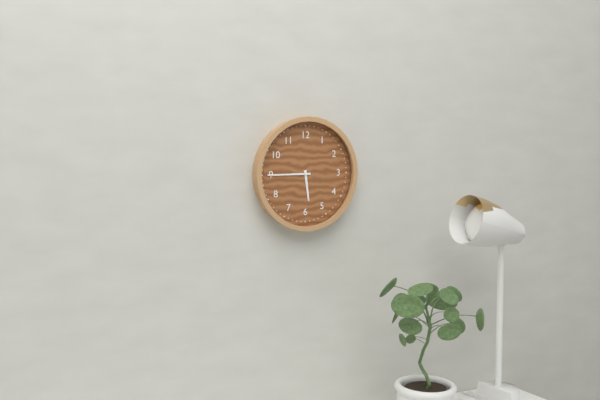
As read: 5h45
